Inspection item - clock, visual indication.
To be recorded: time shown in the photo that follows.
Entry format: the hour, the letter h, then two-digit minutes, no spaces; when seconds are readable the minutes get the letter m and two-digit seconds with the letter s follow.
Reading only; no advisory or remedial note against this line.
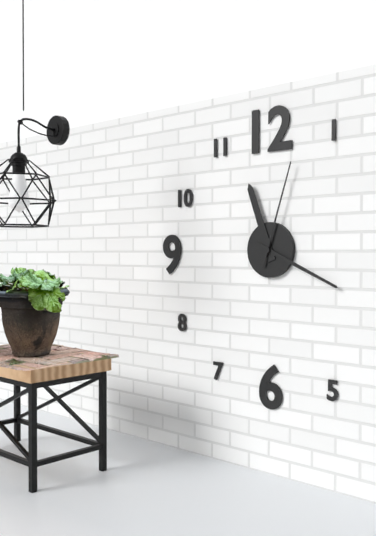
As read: 11h19m03s
